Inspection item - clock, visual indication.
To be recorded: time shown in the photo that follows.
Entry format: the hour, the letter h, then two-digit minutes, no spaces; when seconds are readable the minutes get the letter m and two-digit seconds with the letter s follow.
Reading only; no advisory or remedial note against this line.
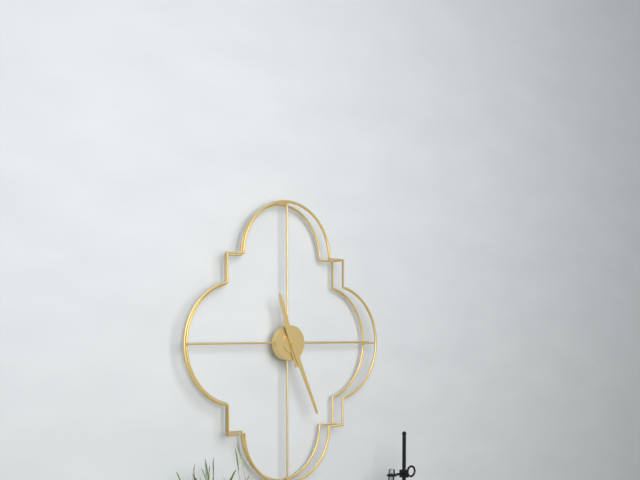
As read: 11h26
